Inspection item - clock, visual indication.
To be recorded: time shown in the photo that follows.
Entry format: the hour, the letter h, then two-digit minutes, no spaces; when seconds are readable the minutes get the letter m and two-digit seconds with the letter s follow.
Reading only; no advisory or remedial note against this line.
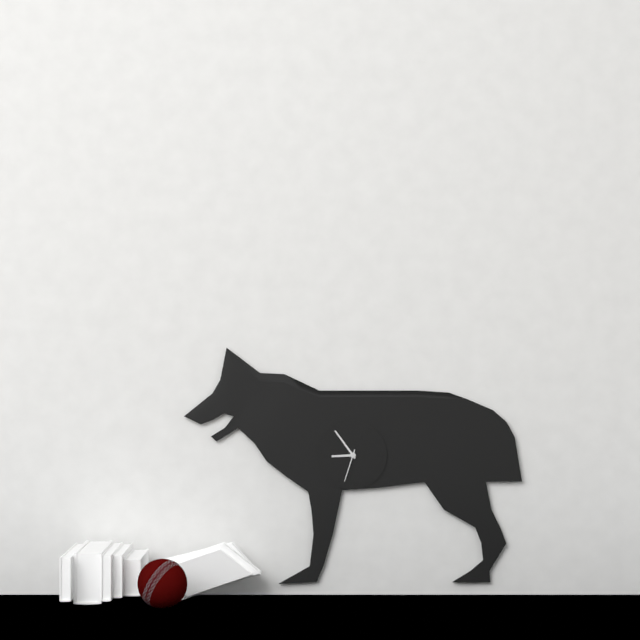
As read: 8h54
